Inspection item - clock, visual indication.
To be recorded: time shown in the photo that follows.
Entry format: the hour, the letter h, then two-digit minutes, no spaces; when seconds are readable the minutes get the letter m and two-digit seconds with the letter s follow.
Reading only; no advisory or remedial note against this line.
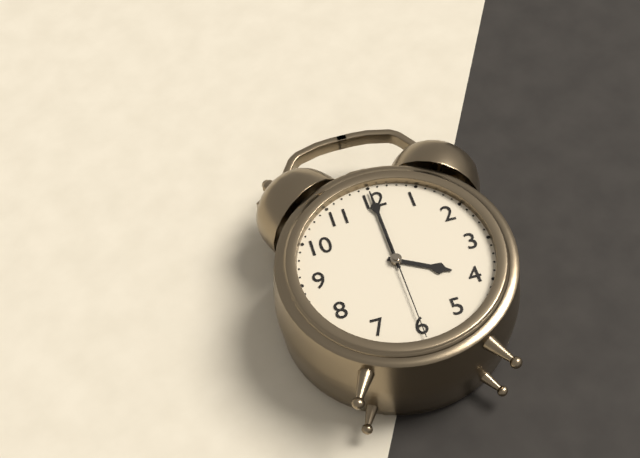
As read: 4h00m30s
